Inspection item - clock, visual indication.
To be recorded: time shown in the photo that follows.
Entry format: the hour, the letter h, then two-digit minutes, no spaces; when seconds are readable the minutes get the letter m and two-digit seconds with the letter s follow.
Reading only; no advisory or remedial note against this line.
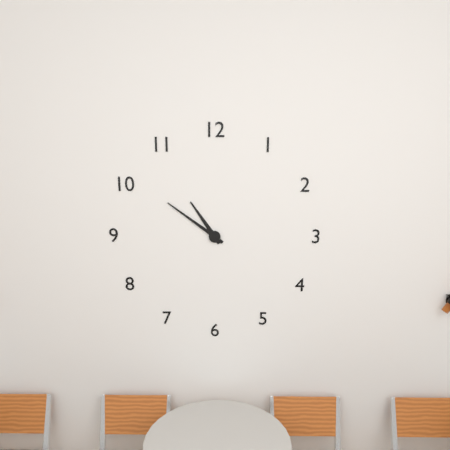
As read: 10h51
